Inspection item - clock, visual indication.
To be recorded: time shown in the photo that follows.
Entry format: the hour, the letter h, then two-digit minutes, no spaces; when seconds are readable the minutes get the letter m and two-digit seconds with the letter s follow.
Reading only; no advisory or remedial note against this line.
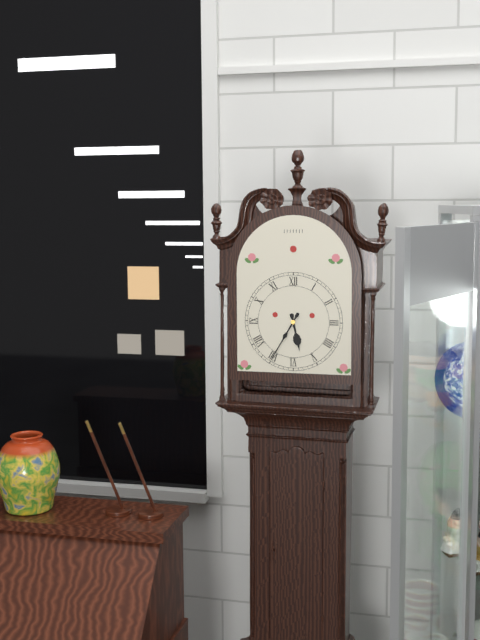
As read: 5h35
